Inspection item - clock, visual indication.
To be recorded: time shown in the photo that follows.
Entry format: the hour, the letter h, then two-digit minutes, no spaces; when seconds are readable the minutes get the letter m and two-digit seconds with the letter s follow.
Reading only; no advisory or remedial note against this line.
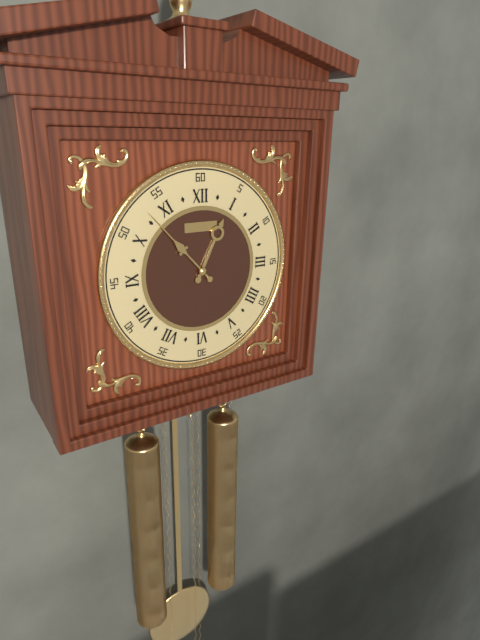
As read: 12h53
